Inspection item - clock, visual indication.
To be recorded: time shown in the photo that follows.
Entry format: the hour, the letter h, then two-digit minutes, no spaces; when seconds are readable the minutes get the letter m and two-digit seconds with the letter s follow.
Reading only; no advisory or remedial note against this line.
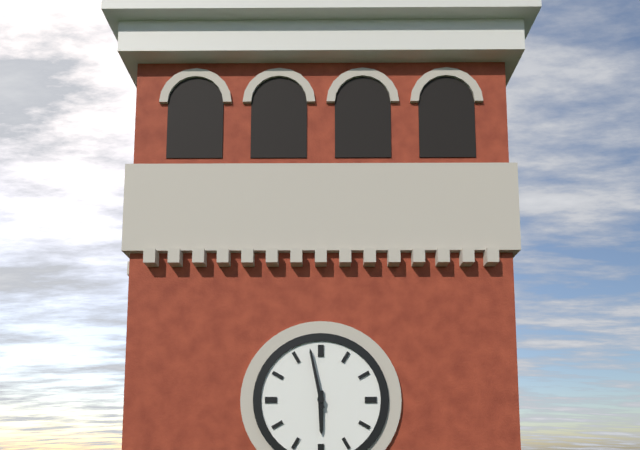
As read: 5h58
